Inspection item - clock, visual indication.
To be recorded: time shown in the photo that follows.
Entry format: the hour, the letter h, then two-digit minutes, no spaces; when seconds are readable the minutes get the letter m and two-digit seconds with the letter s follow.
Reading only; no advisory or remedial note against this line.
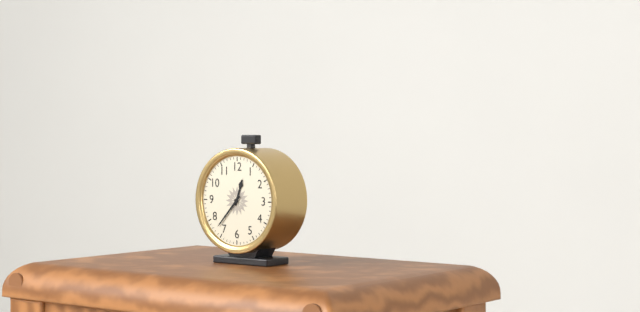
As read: 12h37
